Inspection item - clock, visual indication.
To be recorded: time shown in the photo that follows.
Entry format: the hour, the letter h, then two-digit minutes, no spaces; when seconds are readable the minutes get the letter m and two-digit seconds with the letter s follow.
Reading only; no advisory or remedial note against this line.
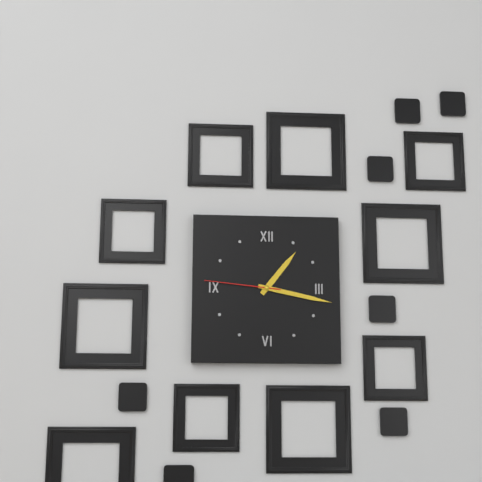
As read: 1h17m46s
